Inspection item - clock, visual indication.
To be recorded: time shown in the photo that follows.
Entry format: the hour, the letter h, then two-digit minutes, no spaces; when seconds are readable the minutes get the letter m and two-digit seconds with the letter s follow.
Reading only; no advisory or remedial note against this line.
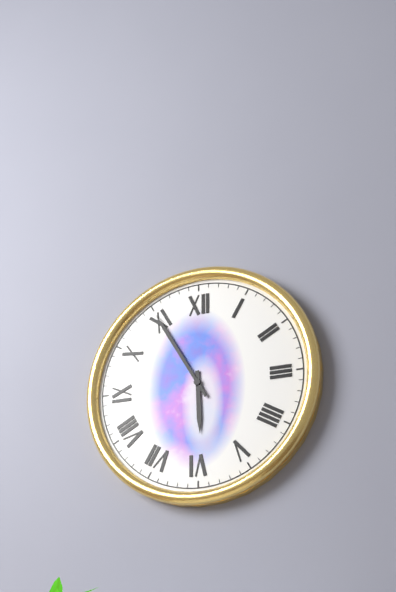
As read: 5h55
